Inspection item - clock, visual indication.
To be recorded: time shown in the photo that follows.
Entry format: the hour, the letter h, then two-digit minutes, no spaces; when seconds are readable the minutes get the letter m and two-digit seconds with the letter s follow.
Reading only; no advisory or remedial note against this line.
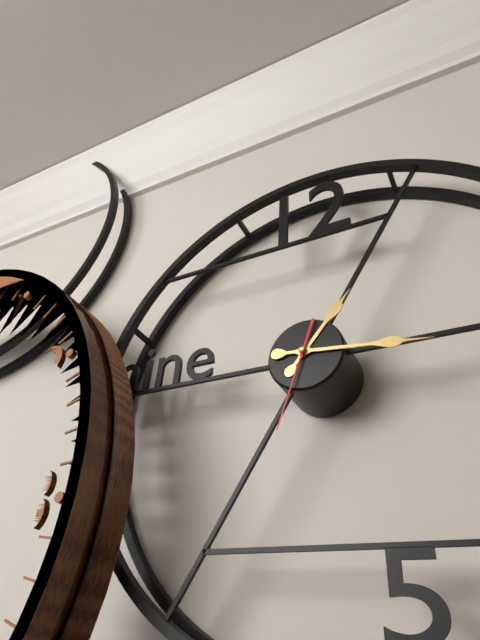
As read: 1h16m33s
